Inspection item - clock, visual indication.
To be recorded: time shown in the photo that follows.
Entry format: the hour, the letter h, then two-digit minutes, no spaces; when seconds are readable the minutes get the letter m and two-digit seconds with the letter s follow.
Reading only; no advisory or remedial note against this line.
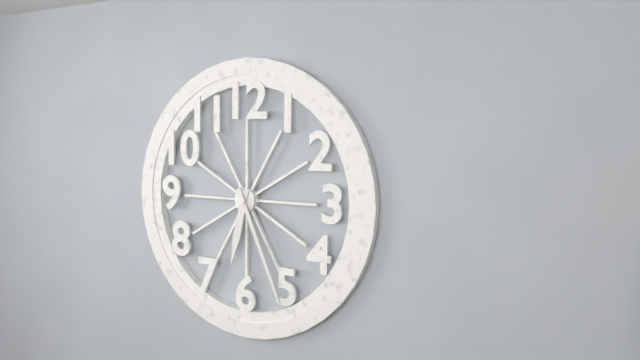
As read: 6h26
